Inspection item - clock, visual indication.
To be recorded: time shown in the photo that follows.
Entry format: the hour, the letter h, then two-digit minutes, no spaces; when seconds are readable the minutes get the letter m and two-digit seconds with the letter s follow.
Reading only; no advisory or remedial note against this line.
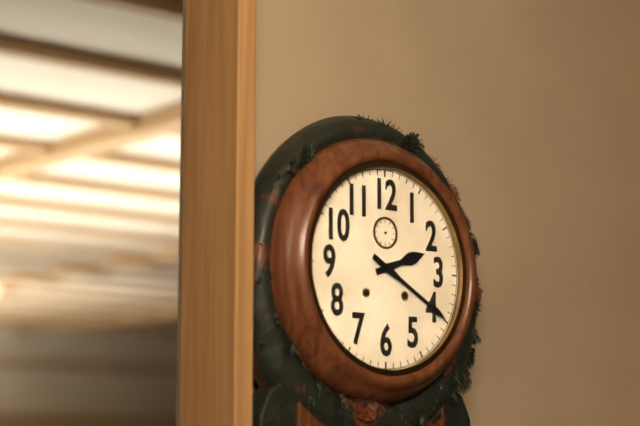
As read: 2h20
